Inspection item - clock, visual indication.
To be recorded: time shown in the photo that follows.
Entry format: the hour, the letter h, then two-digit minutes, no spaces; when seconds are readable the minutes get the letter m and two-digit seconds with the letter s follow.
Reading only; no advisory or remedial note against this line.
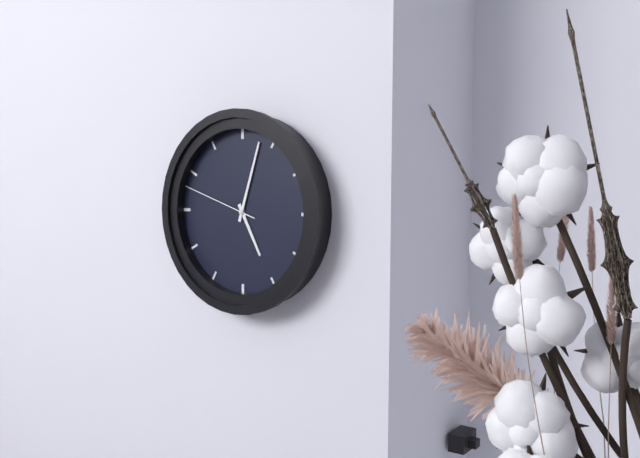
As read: 5h03m48s
